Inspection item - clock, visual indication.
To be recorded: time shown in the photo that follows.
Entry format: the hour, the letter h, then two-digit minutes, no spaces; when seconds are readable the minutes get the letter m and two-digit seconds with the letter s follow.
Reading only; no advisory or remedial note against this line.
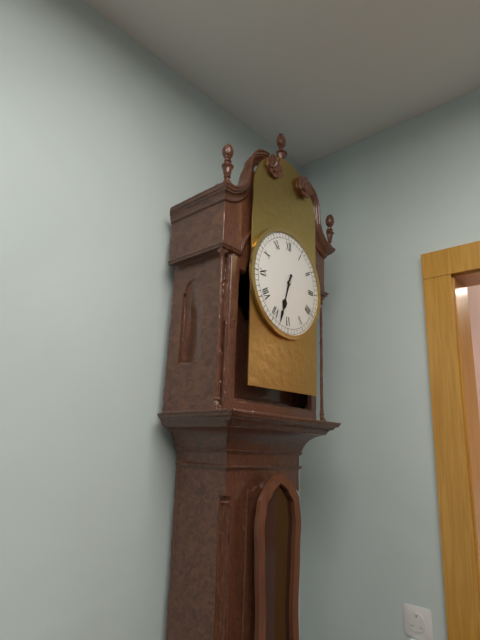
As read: 6h33
